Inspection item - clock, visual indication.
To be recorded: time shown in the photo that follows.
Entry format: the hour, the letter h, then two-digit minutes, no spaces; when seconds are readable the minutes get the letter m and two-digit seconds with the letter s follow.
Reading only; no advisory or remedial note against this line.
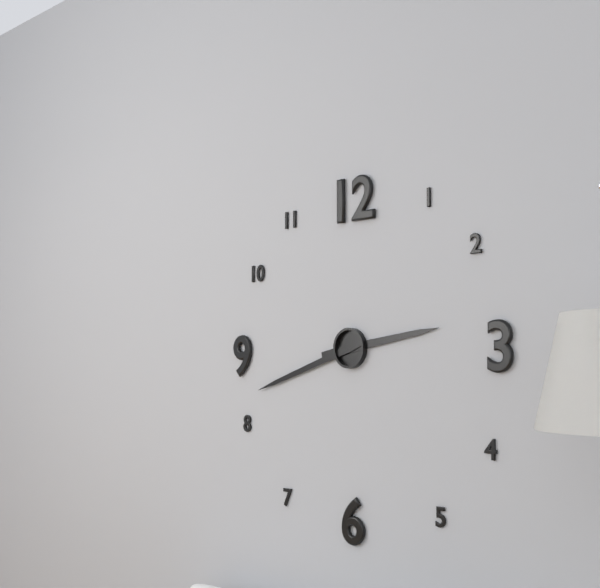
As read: 2h42
